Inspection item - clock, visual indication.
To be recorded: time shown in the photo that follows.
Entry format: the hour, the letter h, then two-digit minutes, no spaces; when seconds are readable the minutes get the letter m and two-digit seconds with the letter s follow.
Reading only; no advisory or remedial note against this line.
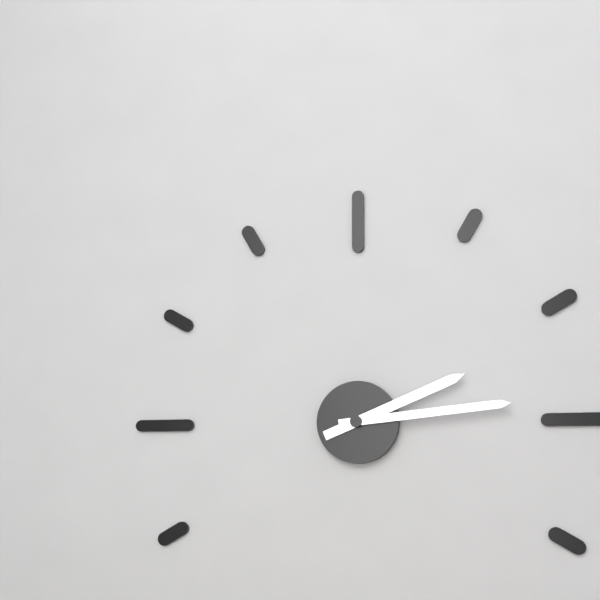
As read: 2h14
